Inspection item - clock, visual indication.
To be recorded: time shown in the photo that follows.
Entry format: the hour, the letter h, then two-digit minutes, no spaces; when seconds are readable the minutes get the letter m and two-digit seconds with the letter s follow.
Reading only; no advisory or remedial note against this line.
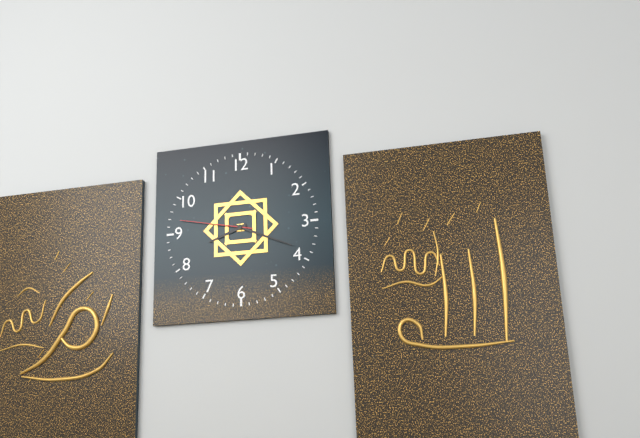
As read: 8h19m47s
